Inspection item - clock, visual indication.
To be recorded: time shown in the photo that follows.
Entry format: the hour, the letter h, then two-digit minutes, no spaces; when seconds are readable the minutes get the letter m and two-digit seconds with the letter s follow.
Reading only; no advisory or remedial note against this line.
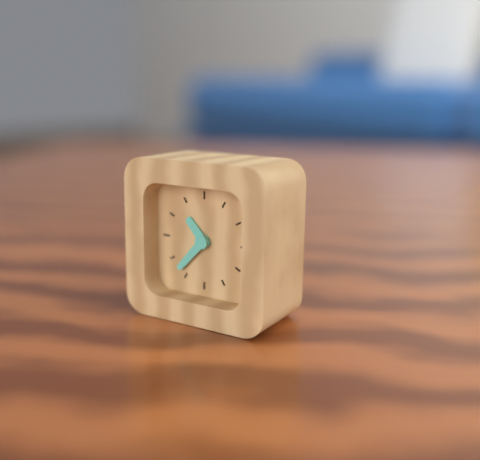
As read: 10h37
